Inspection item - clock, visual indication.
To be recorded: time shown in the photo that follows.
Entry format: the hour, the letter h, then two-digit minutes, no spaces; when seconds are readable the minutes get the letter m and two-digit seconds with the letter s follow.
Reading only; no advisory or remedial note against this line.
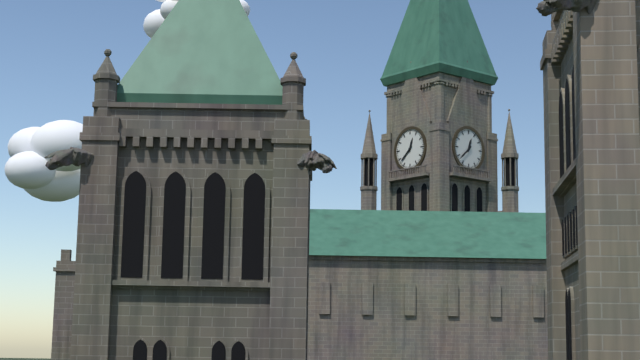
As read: 12h38
